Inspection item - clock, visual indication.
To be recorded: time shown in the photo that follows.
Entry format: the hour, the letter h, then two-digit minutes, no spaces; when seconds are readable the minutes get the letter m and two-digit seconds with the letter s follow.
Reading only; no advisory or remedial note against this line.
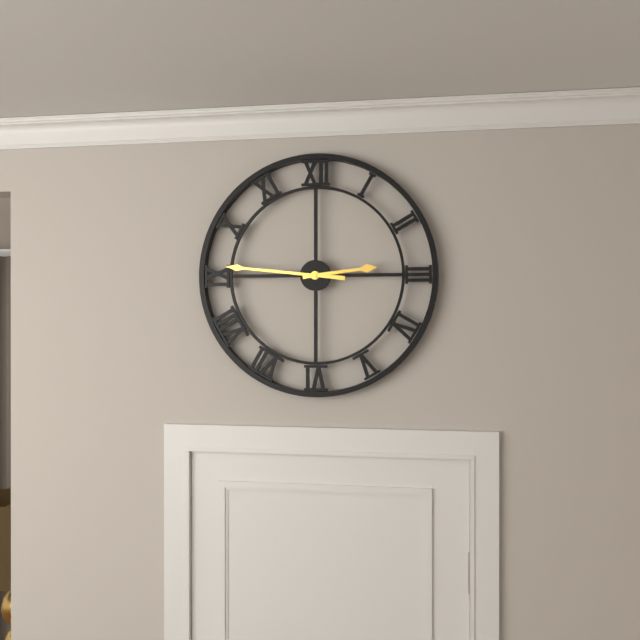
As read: 2h46
